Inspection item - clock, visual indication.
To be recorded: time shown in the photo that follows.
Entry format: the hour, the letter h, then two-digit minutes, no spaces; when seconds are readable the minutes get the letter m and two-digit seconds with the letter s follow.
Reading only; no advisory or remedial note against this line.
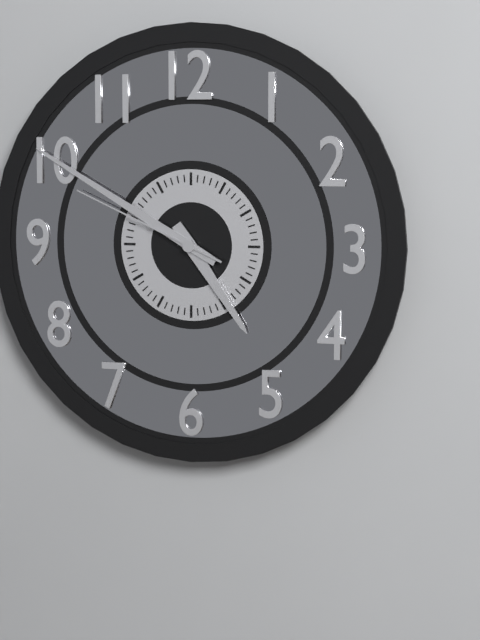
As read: 4h50m49s
